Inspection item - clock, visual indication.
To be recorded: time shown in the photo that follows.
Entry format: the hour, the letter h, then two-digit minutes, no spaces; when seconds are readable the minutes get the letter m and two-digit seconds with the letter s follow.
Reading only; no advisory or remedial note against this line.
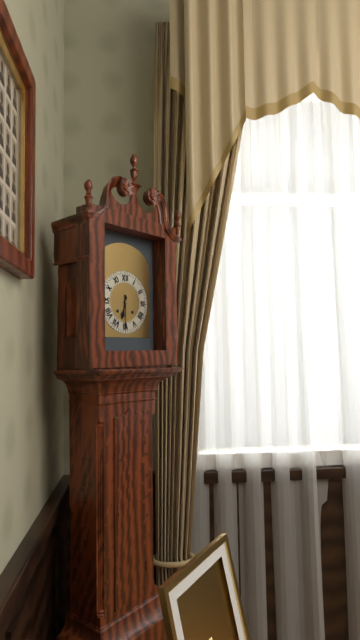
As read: 6h30
